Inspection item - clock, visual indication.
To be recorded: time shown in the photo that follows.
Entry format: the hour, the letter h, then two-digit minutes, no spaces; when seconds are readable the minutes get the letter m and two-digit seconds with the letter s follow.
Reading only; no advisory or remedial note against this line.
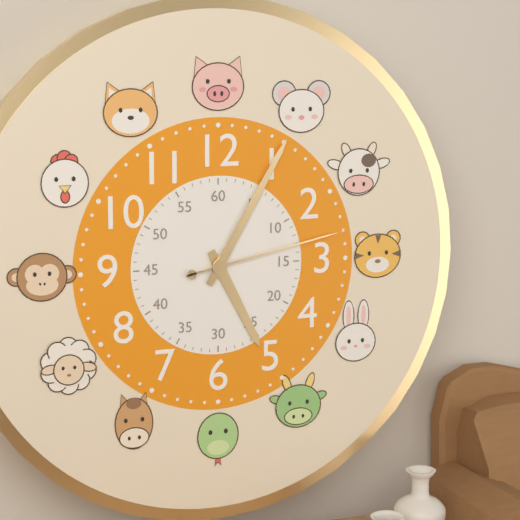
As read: 5h05m13s
